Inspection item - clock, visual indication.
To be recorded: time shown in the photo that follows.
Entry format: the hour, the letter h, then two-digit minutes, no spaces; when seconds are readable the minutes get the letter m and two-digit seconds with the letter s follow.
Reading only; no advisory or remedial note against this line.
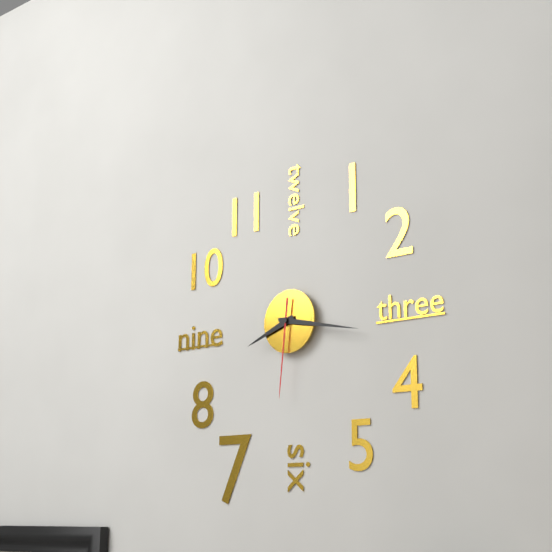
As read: 8h17m31s
